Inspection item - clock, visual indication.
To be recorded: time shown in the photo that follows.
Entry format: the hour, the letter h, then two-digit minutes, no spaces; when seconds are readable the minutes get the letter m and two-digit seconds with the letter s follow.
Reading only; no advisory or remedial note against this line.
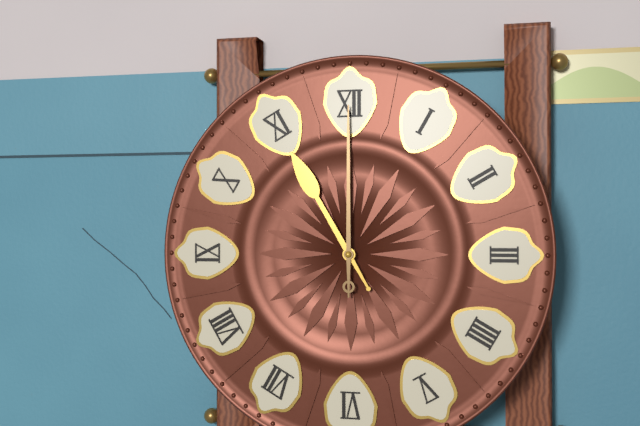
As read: 11h00
